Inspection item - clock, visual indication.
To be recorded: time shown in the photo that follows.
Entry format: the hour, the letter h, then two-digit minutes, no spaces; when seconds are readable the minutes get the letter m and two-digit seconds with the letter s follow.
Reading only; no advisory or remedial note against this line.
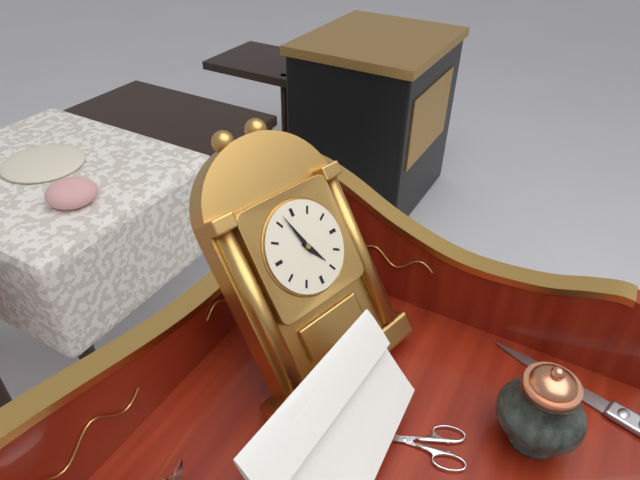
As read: 4h57
